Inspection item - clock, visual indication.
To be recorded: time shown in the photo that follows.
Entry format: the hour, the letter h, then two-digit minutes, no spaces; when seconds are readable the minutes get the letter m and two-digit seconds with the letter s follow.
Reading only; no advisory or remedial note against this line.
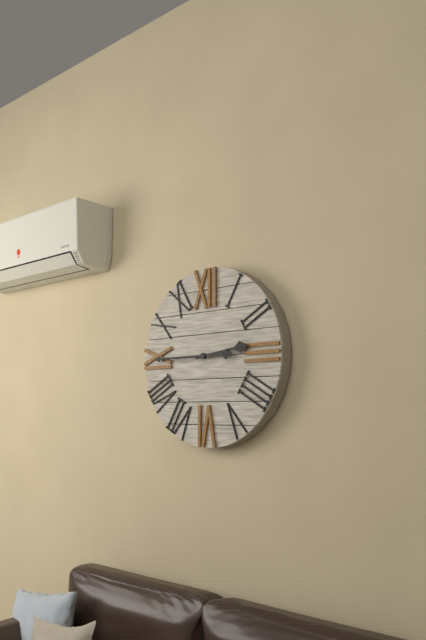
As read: 2h45
